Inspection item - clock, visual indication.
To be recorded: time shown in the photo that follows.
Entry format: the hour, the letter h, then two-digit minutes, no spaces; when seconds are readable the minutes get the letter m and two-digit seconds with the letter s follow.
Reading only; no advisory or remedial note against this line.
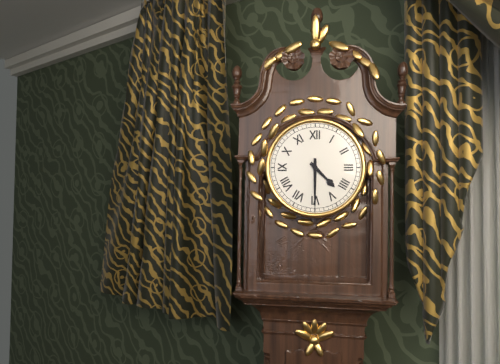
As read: 4h30
